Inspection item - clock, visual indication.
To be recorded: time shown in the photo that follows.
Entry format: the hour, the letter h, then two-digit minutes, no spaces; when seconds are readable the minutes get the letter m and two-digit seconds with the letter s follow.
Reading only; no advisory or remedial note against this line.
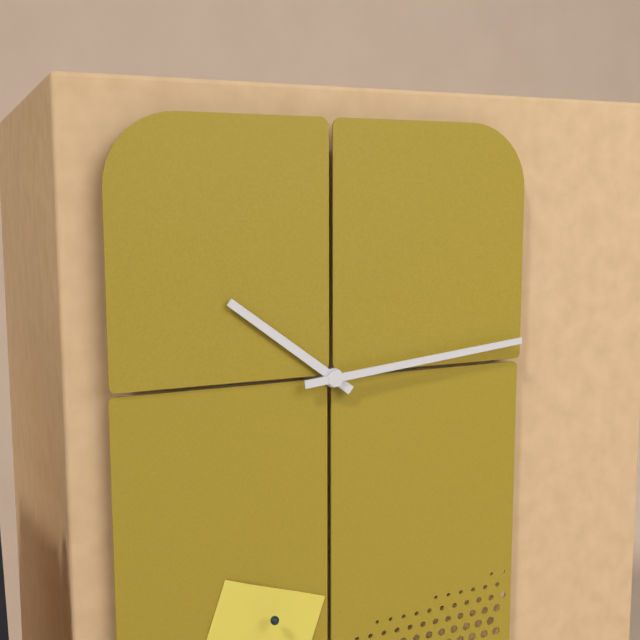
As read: 10h14
